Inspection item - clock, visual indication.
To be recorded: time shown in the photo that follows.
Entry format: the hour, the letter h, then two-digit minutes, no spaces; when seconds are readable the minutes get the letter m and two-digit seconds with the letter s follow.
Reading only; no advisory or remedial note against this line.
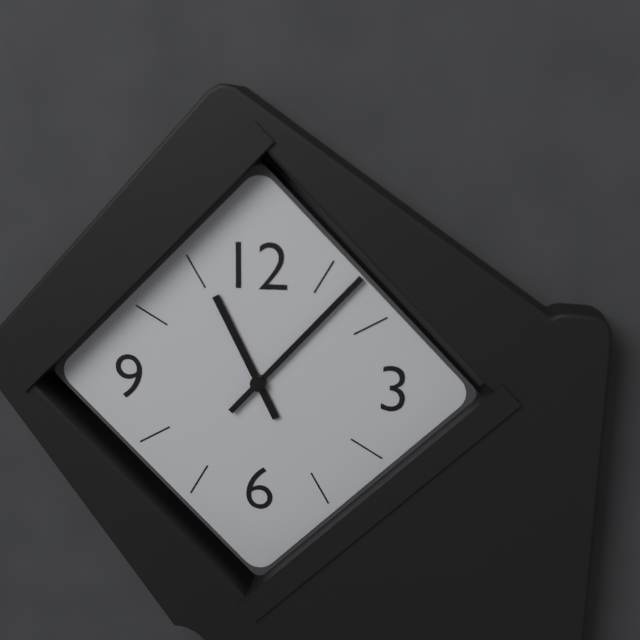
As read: 11h07
